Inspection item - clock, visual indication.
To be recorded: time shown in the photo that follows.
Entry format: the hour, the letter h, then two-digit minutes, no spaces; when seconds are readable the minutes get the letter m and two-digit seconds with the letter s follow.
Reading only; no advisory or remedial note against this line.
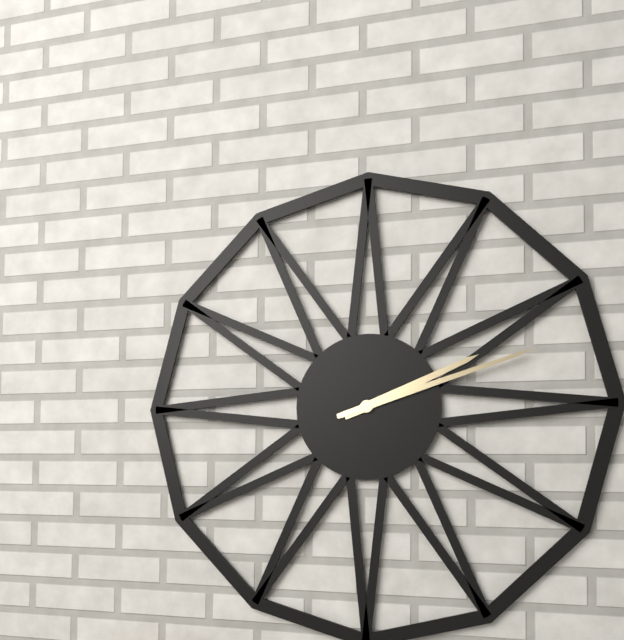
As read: 2h12
